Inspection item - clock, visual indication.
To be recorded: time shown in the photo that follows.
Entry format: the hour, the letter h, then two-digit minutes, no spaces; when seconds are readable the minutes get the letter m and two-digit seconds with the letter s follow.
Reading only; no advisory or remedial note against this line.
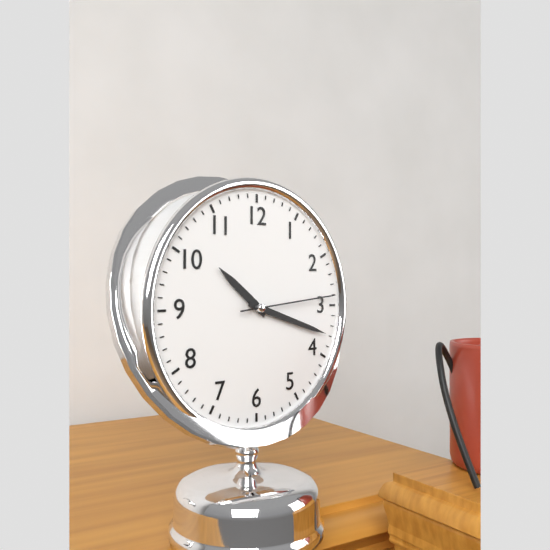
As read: 10h18m14s
